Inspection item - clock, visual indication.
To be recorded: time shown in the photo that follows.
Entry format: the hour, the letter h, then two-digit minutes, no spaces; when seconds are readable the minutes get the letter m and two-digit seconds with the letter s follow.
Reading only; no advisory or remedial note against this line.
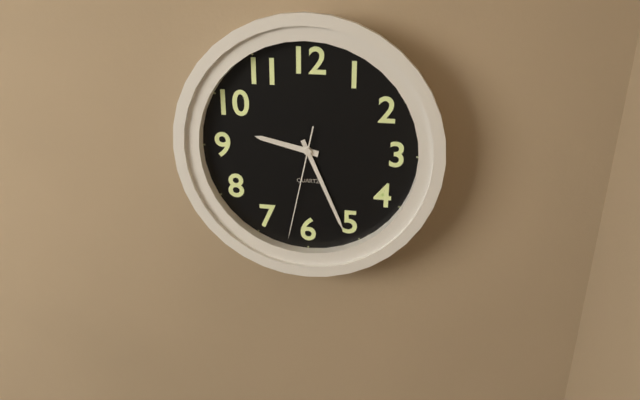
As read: 9h26m32s
